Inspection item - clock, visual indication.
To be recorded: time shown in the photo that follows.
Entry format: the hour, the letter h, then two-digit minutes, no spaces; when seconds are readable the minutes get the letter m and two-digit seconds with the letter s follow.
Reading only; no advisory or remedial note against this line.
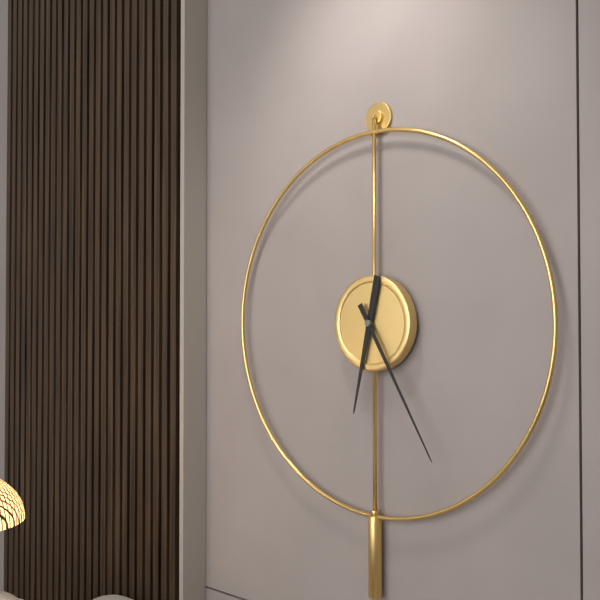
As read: 6h25
